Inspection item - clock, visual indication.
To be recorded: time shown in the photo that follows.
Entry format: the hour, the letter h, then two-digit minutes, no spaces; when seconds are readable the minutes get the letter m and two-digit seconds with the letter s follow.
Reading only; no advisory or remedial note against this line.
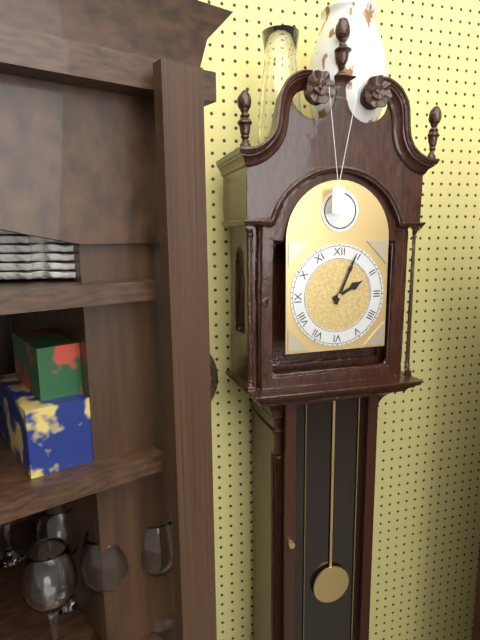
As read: 2h04
